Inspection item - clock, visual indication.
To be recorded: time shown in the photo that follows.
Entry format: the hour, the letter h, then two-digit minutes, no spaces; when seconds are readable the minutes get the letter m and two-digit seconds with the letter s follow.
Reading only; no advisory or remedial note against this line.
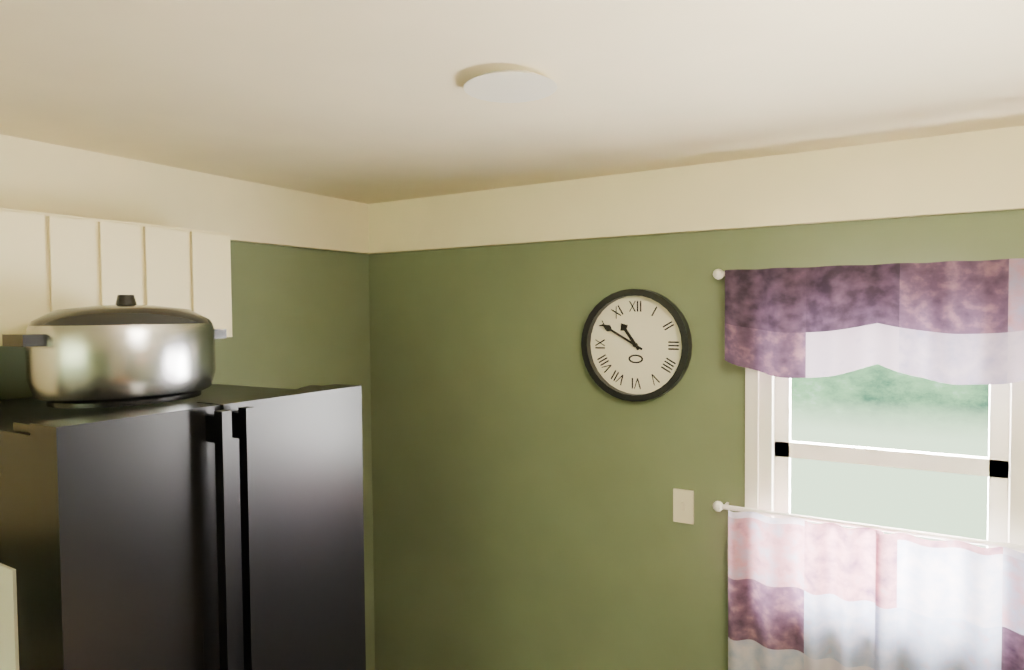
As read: 10h50
